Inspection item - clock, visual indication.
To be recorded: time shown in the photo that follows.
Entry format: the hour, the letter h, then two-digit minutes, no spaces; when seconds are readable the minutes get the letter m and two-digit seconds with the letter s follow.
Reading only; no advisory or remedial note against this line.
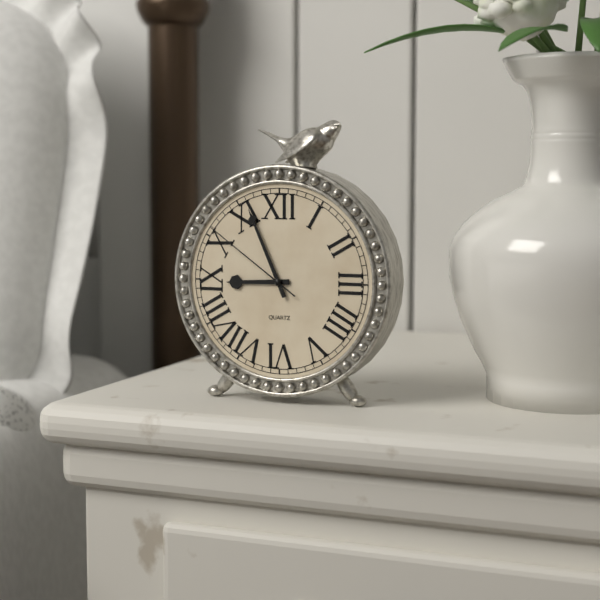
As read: 8h56m51s
